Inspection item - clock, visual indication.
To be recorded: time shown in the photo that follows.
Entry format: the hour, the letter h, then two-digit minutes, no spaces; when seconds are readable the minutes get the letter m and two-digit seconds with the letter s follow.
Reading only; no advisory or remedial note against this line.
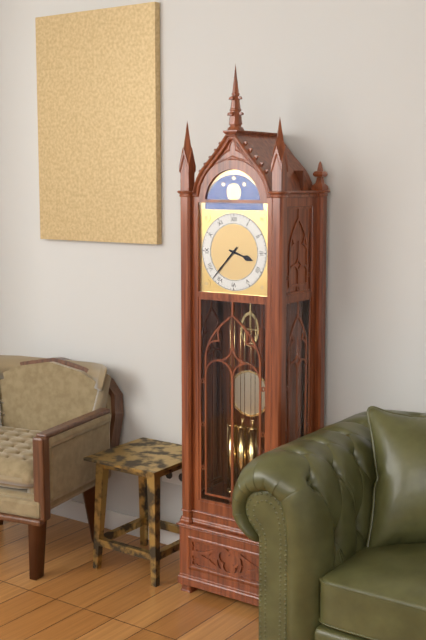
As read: 3h37
